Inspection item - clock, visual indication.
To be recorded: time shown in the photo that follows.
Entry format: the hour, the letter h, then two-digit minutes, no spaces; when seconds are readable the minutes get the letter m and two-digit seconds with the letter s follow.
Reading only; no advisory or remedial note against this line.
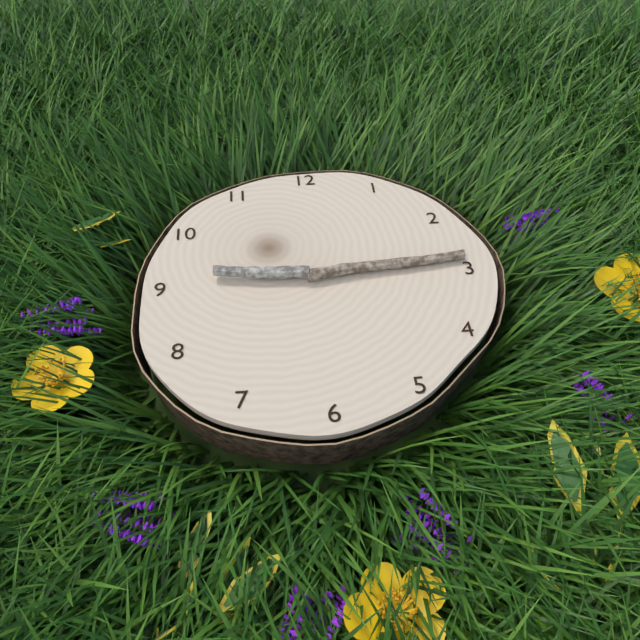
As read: 9h14
